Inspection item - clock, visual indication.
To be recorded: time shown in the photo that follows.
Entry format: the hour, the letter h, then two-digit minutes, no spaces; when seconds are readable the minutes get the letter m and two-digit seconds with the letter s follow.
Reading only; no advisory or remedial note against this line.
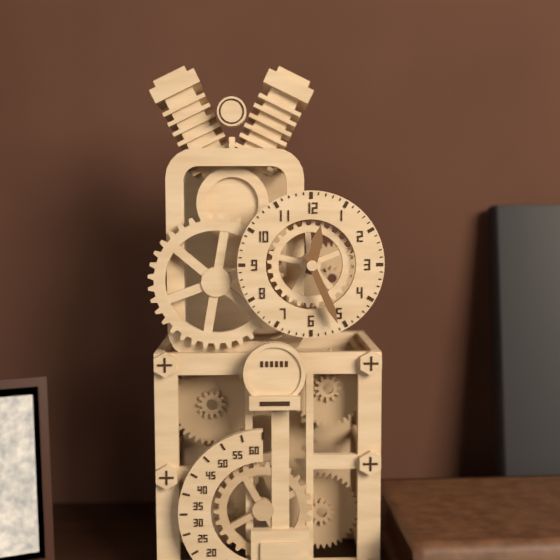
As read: 12h26
